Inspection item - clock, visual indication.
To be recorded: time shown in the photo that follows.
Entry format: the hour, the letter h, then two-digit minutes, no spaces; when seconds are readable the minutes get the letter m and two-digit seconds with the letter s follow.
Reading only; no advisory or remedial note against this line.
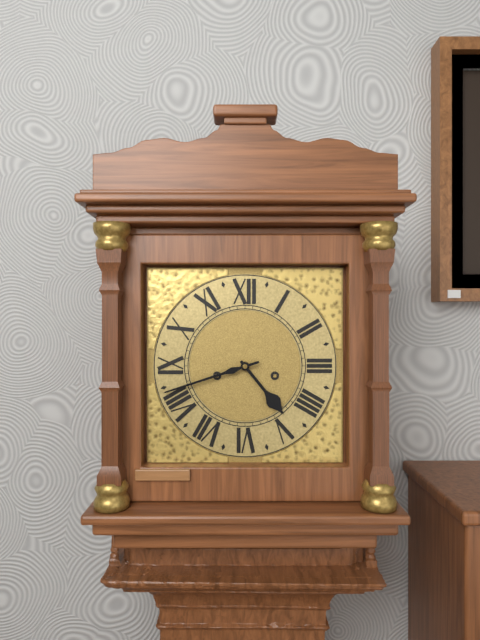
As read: 4h42
